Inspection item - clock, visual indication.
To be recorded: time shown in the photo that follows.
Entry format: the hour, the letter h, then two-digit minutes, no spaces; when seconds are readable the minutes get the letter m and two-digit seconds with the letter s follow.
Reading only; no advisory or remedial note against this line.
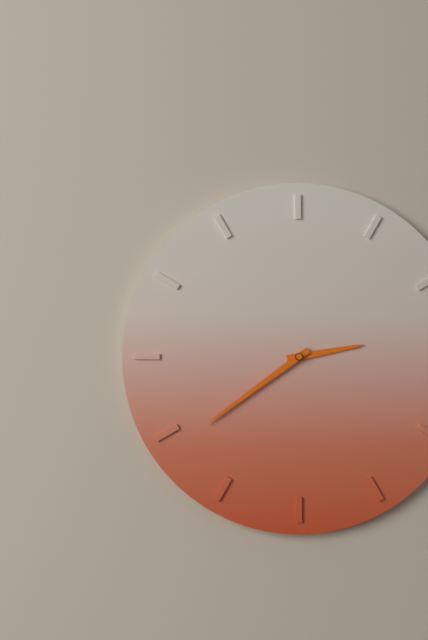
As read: 2h39
